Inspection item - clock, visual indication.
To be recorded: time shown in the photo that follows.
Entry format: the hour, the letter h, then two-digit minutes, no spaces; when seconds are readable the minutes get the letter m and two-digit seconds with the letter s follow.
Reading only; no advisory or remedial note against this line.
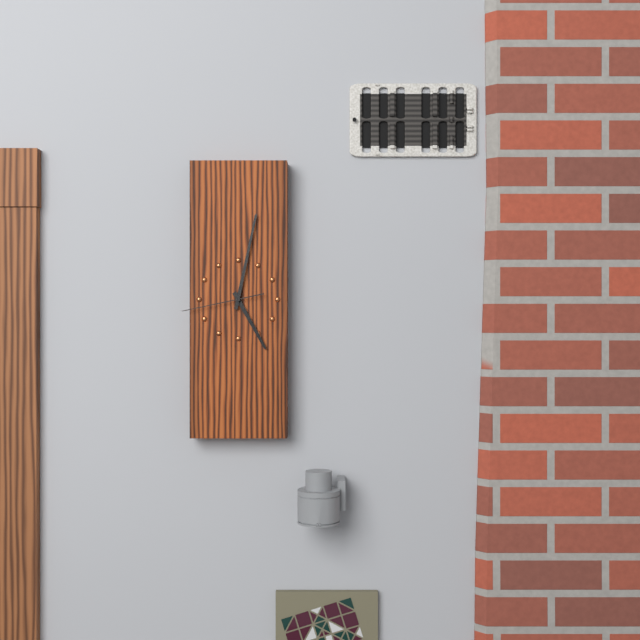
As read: 5h02m43s
